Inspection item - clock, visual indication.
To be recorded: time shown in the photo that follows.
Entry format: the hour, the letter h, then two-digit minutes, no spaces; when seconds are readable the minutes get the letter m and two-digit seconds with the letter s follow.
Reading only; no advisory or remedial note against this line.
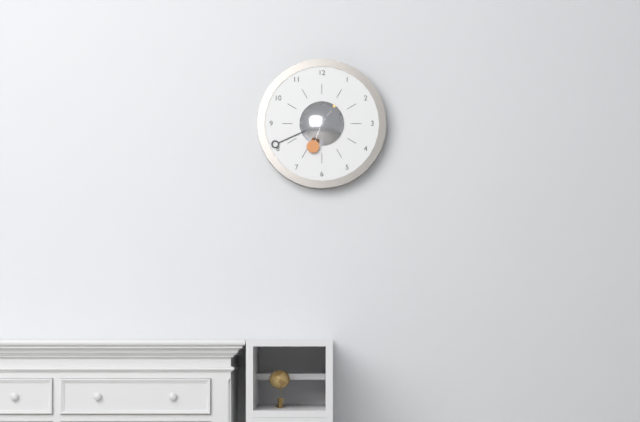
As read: 6h41
